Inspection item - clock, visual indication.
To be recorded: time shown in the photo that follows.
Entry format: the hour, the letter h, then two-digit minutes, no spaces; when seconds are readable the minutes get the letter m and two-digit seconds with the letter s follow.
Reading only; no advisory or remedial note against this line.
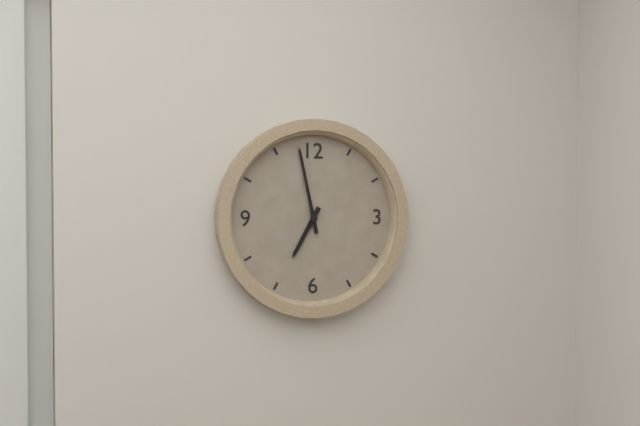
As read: 6h58
